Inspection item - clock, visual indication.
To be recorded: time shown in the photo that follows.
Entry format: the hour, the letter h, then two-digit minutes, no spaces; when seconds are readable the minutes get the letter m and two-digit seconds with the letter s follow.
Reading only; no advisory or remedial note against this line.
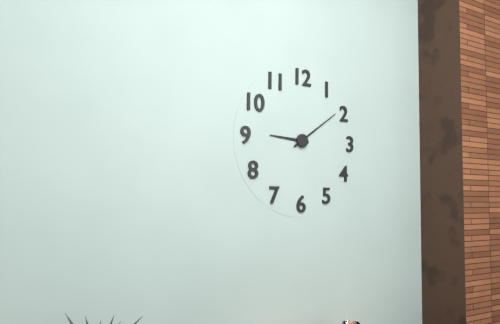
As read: 9h09
